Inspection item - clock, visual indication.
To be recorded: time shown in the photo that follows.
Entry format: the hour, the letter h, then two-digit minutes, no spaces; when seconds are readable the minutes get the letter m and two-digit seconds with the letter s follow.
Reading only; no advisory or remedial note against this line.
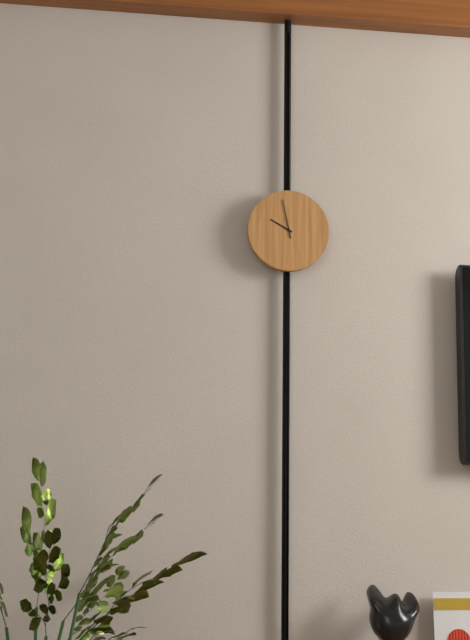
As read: 9h58
